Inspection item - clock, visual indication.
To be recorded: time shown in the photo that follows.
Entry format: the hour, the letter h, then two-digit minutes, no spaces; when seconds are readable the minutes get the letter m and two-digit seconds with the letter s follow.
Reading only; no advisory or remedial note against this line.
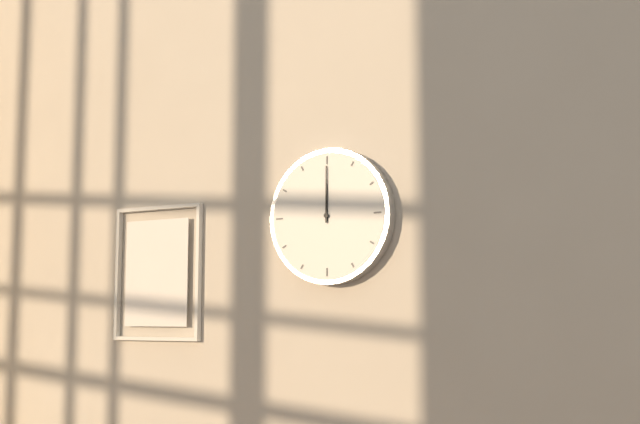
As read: 12h00
